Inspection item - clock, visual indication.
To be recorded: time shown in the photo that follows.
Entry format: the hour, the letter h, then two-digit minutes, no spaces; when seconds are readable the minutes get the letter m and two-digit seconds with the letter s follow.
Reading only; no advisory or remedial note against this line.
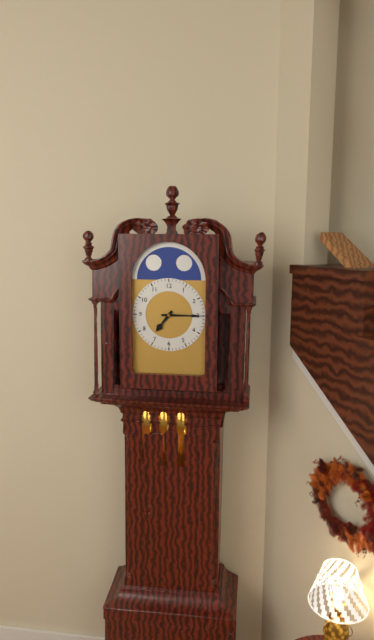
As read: 7h15
